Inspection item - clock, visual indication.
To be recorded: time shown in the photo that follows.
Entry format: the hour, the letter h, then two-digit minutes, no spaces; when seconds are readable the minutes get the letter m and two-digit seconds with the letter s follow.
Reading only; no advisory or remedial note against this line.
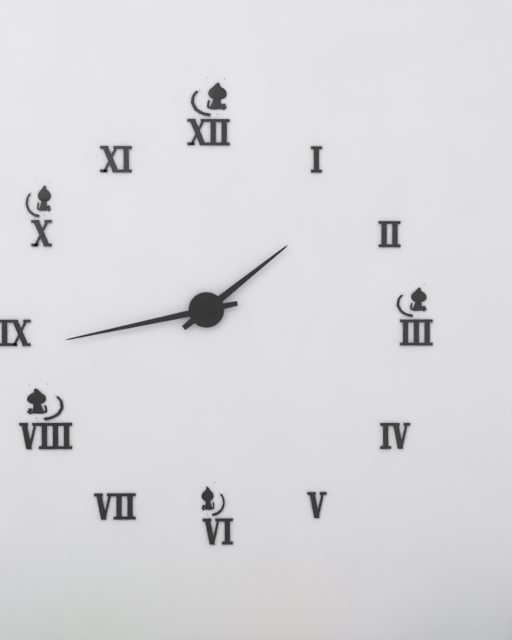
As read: 1h43
